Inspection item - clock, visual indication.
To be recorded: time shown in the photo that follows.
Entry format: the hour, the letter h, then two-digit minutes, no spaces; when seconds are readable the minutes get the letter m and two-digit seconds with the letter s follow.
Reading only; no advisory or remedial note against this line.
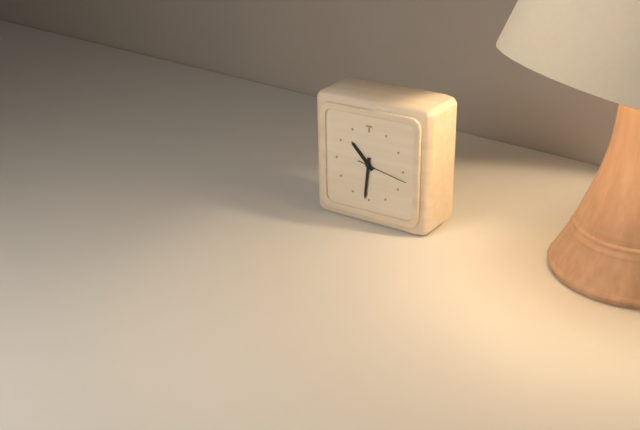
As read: 10h31m17s
